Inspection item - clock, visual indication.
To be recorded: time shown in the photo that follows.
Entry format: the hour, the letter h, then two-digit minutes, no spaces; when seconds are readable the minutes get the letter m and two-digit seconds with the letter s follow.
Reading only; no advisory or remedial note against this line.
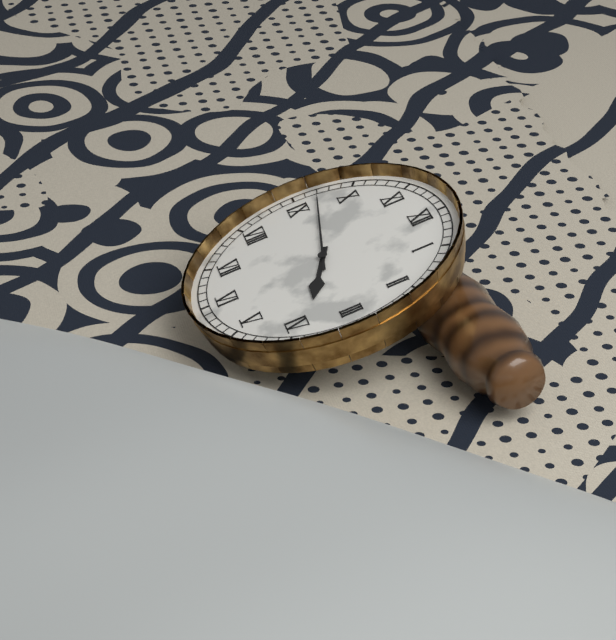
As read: 3h47
